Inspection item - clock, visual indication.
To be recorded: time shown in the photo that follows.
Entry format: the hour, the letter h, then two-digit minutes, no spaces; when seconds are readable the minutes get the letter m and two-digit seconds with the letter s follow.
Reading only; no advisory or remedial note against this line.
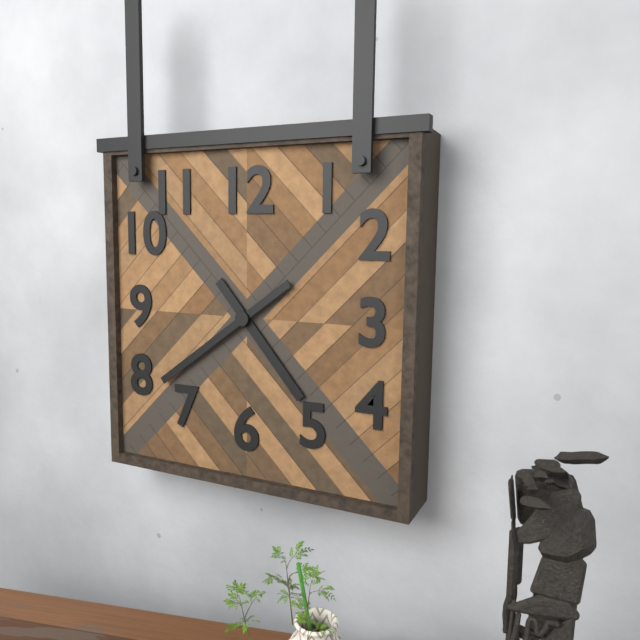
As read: 4h39
